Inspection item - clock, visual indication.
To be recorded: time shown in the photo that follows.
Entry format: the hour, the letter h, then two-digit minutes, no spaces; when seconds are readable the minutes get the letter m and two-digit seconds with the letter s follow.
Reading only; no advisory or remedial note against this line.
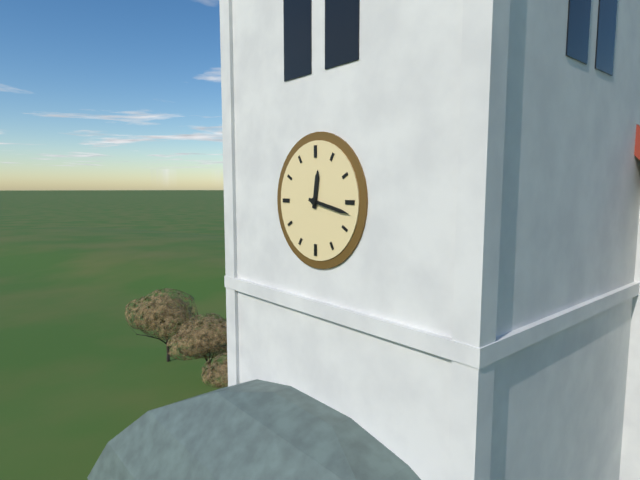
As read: 12h17
